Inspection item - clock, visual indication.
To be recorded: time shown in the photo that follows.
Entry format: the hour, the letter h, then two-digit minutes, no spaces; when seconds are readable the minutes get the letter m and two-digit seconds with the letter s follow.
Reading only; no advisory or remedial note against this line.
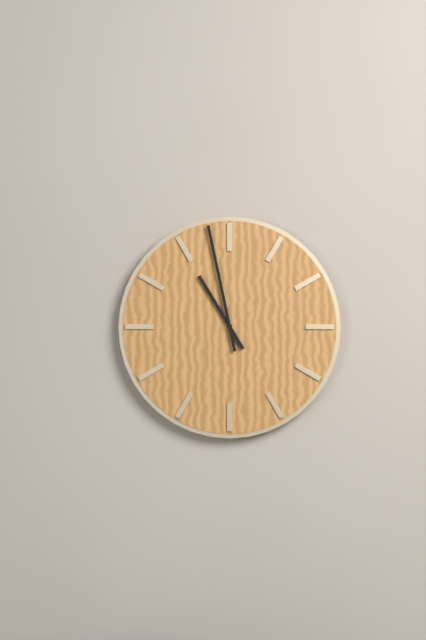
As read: 10h58
